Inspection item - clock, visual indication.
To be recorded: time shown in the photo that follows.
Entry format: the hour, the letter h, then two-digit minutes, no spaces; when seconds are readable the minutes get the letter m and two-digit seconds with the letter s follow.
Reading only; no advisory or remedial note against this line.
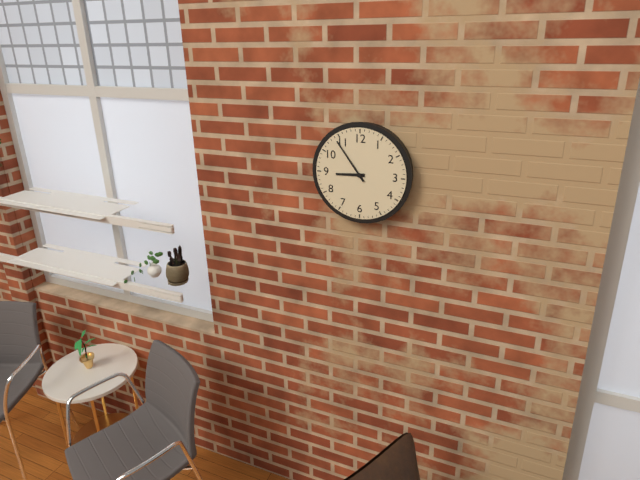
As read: 8h54
